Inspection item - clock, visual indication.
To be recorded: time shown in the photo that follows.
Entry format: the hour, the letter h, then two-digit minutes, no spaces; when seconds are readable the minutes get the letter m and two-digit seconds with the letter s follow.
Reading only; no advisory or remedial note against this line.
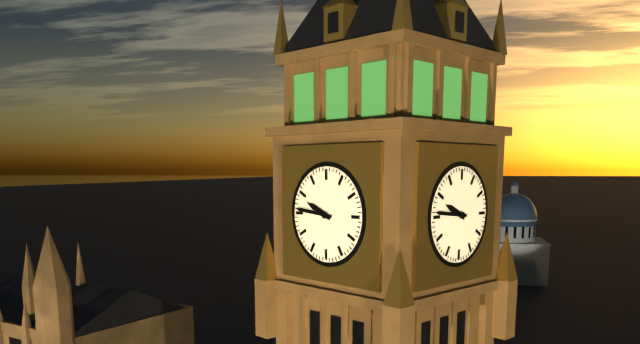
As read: 9h46
